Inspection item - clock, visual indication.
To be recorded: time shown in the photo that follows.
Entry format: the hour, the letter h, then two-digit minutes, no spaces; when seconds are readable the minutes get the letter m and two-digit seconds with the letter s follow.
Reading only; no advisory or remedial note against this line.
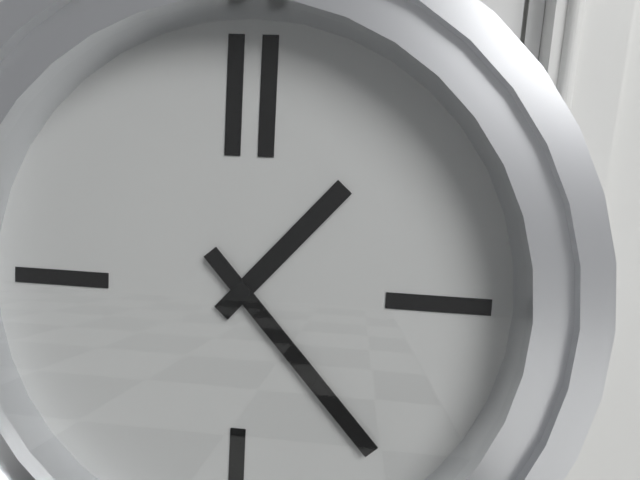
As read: 1h23
